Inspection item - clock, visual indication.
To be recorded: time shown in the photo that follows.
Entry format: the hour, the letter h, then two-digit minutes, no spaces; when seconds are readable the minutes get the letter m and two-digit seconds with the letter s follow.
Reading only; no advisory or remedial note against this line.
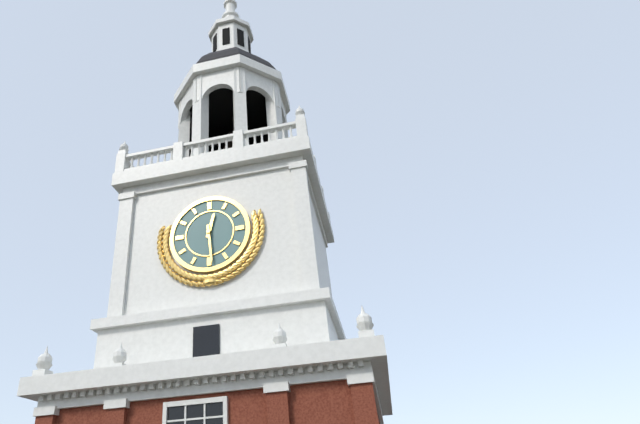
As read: 12h29
